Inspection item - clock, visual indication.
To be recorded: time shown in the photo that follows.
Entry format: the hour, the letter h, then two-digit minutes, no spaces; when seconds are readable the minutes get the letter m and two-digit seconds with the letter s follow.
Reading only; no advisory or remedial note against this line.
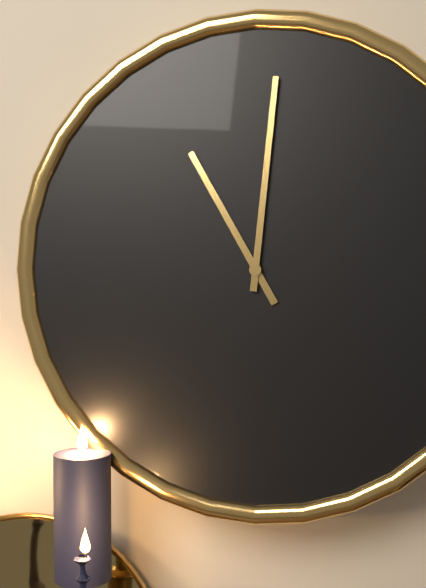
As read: 11h01
